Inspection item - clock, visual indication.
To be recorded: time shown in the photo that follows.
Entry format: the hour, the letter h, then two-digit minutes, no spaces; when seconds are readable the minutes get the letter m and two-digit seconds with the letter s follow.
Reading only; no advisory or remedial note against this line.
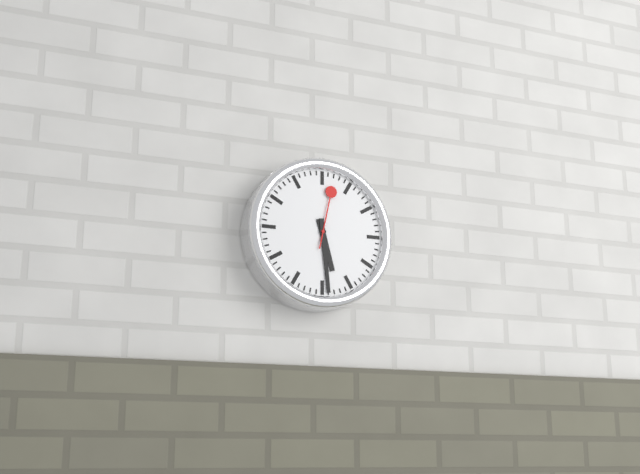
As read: 5h29m02s
